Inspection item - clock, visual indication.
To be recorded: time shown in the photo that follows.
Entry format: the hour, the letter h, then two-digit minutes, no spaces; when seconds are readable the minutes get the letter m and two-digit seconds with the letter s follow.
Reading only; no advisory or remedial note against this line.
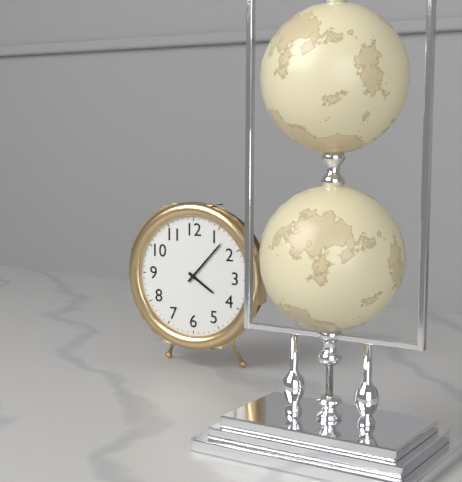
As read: 4h07
